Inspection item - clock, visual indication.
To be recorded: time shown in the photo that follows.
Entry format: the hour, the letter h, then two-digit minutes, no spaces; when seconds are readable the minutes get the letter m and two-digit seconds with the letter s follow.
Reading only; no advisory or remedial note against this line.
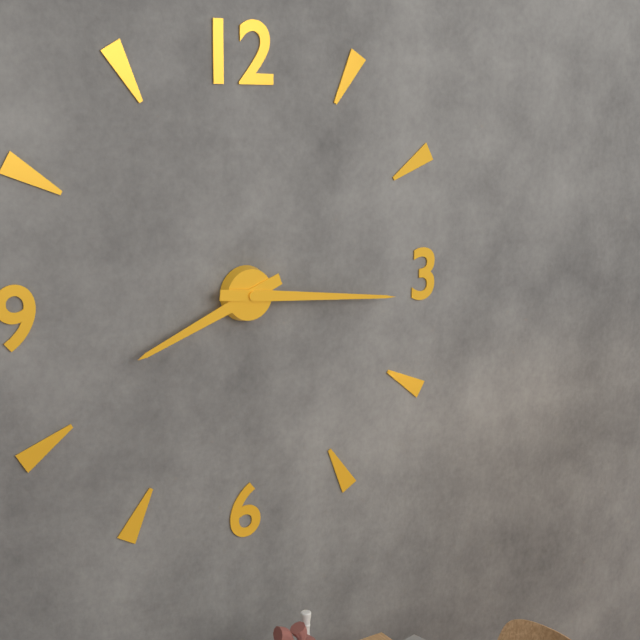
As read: 8h16
